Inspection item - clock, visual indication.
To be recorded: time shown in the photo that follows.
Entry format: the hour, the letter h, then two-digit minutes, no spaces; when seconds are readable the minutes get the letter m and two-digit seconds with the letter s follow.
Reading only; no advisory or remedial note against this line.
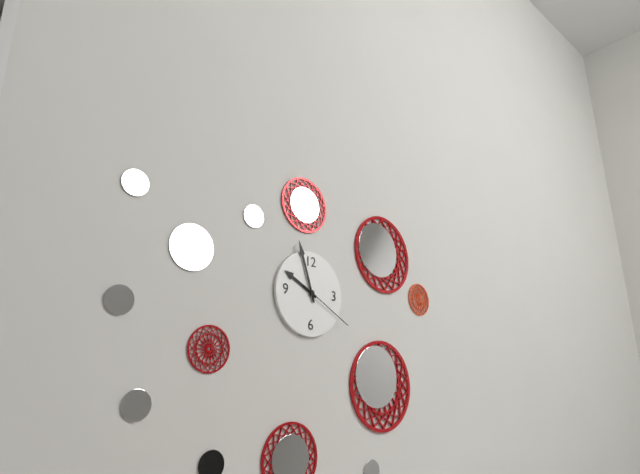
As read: 9h57m20s
